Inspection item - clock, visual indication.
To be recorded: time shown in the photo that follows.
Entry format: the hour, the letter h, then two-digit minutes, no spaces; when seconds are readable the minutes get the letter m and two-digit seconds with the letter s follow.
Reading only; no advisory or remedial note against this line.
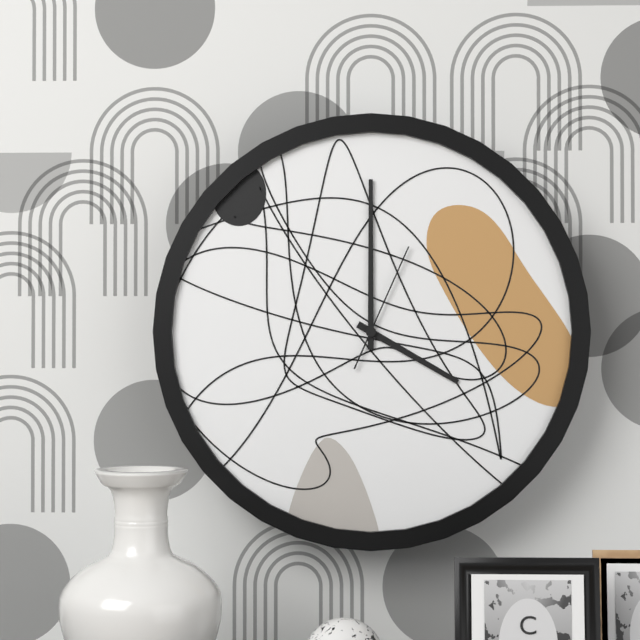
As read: 4h00m04s
